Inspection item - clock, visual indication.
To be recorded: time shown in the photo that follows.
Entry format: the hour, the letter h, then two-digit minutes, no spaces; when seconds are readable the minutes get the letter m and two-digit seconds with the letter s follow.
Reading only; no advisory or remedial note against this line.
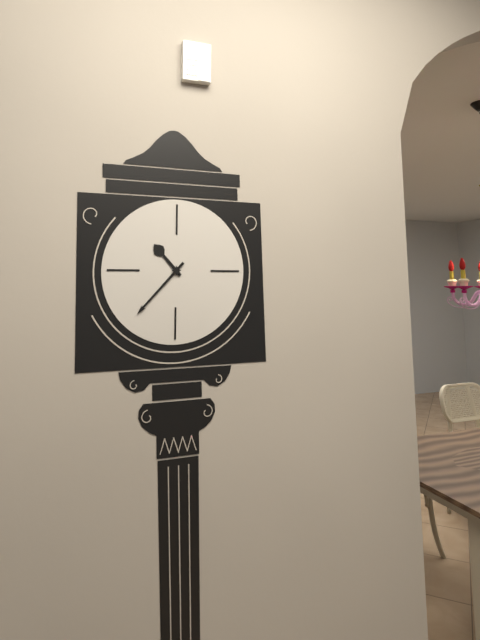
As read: 10h37
